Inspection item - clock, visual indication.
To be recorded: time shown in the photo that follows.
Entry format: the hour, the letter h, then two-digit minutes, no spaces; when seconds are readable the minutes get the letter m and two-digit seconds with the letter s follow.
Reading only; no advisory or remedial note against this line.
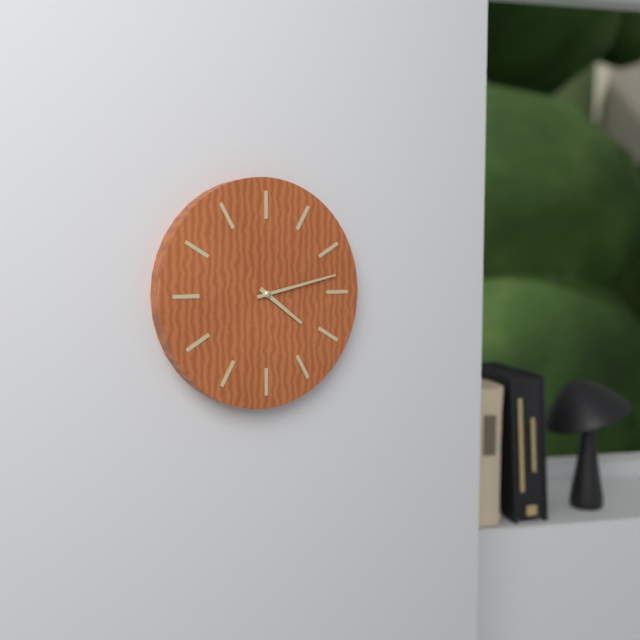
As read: 4h13
